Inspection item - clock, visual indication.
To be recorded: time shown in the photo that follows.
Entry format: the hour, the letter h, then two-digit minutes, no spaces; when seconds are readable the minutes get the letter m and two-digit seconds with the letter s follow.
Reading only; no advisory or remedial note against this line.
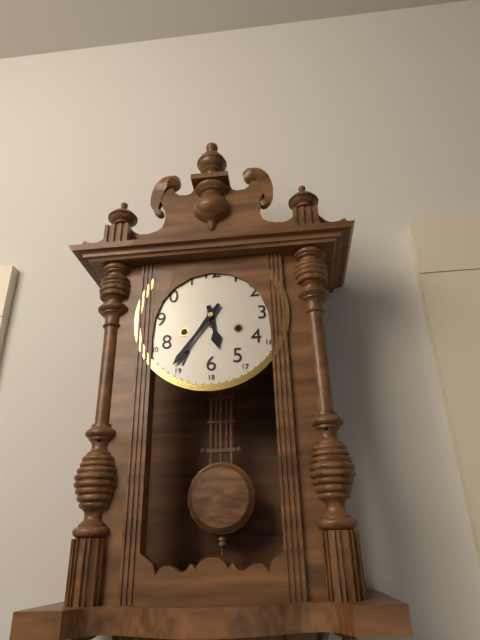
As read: 5h36
